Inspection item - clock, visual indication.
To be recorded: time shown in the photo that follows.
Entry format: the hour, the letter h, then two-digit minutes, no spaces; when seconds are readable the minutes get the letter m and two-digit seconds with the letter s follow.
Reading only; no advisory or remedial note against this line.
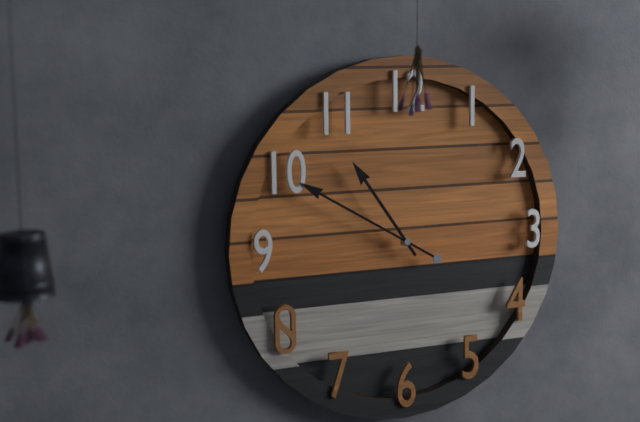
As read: 10h50
